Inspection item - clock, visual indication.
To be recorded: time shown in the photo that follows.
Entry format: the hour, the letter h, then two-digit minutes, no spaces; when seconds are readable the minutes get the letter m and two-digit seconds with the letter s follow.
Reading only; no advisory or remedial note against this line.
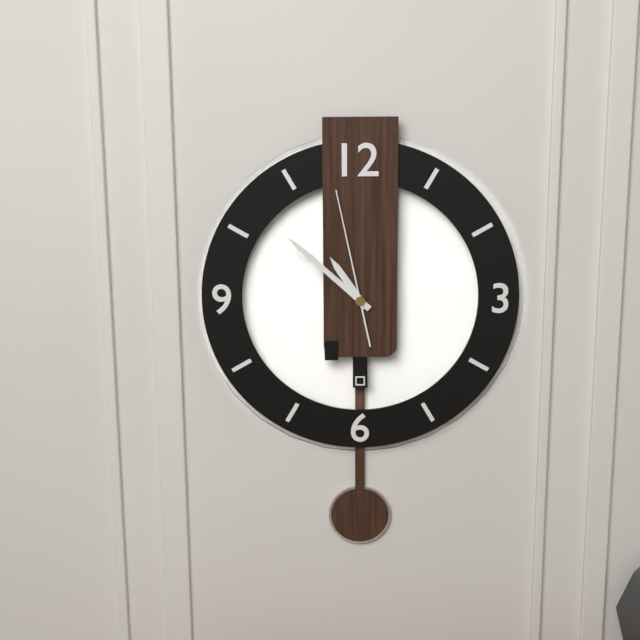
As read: 10h52m58s
